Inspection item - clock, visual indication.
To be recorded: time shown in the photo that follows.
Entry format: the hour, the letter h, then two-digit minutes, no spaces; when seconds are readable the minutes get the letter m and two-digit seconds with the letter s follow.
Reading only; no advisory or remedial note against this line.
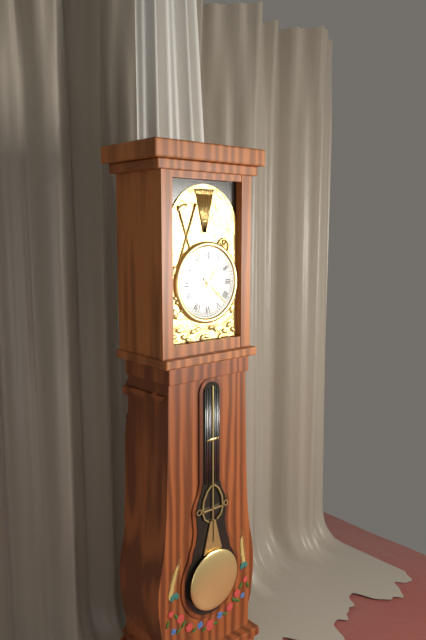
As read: 1h22
